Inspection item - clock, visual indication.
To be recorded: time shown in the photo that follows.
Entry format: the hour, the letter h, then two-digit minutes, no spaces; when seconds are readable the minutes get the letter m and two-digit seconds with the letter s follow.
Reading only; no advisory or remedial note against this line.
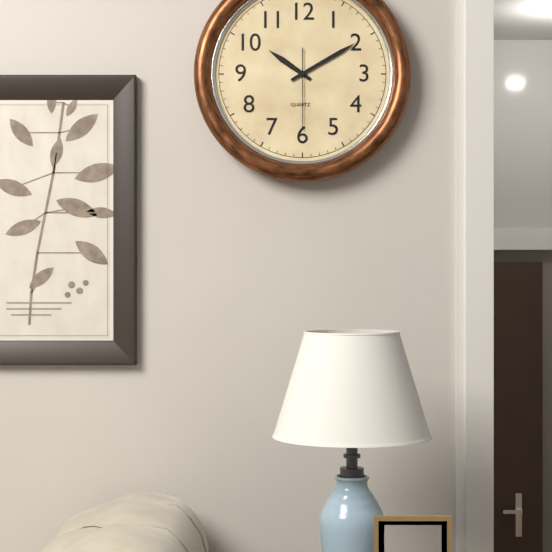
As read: 10h10m30s
